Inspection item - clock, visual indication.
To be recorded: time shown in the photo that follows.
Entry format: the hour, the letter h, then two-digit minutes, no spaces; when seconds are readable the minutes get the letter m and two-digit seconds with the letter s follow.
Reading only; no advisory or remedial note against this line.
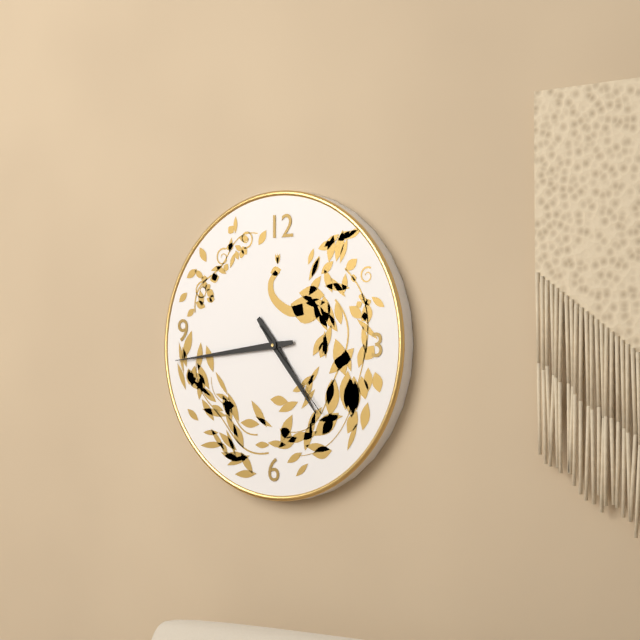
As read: 4h44m23s
